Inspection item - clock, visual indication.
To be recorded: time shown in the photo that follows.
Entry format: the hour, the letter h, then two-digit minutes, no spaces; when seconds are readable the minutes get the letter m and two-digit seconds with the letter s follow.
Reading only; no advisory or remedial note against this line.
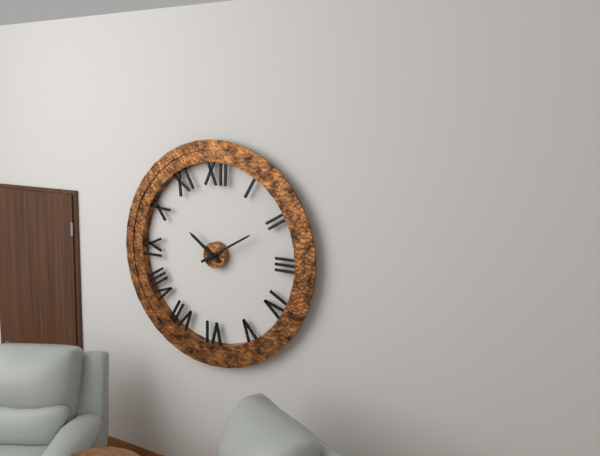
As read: 10h10
